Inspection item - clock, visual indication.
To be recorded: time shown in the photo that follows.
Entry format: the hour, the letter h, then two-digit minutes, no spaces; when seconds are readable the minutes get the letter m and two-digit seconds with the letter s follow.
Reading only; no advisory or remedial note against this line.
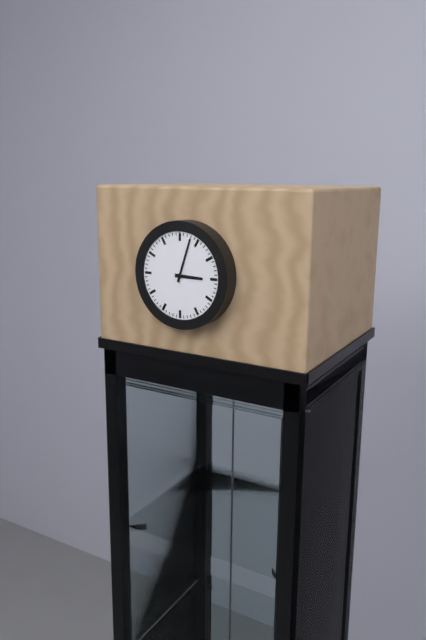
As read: 3h03
